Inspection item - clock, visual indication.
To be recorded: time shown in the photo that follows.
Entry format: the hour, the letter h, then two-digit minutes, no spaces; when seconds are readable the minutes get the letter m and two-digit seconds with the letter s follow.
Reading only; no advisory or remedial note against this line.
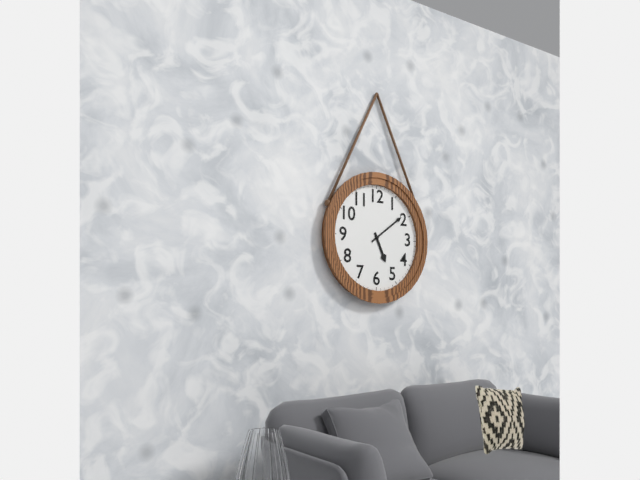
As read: 5h09
